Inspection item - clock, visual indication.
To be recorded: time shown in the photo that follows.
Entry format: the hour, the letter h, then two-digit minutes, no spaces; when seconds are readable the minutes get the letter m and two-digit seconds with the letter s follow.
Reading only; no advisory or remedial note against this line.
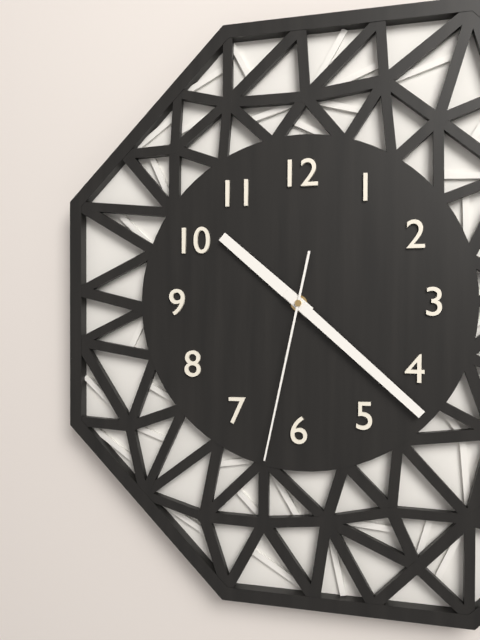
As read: 10h22m32s
